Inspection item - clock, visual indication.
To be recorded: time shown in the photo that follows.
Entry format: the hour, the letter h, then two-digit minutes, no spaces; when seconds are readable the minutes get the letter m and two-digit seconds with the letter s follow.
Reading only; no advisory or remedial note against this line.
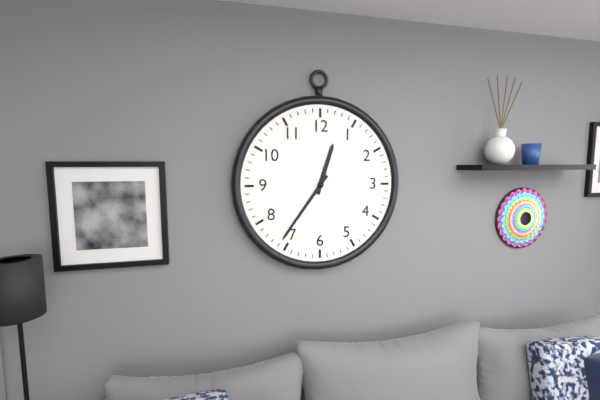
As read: 12h36
